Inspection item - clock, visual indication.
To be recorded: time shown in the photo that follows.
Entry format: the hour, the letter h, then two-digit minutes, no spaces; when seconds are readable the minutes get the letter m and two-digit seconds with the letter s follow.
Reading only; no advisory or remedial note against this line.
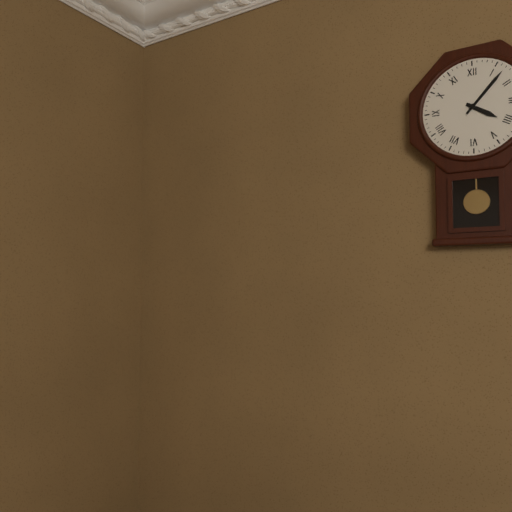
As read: 4h07
